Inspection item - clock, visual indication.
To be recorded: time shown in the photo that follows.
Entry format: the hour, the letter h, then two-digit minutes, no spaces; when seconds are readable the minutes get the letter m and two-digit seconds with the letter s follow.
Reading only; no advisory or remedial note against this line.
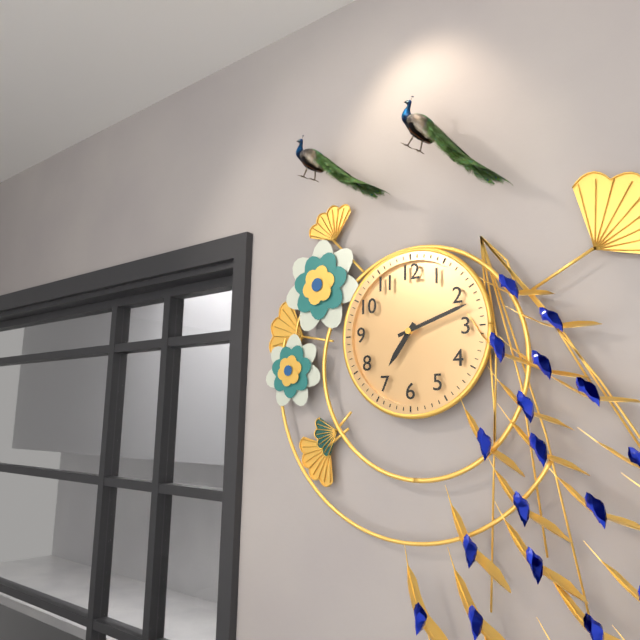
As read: 7h12
